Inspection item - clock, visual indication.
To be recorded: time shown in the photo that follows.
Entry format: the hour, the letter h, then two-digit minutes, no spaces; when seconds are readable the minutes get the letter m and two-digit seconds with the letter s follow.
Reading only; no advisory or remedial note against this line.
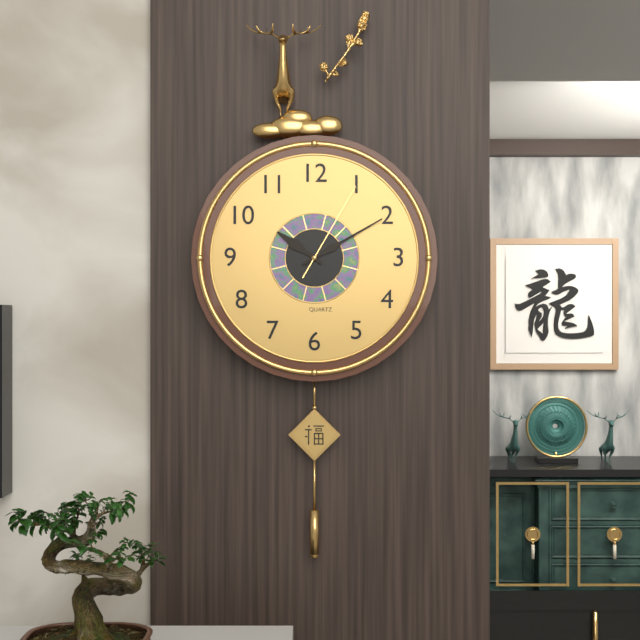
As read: 10h10m05s
